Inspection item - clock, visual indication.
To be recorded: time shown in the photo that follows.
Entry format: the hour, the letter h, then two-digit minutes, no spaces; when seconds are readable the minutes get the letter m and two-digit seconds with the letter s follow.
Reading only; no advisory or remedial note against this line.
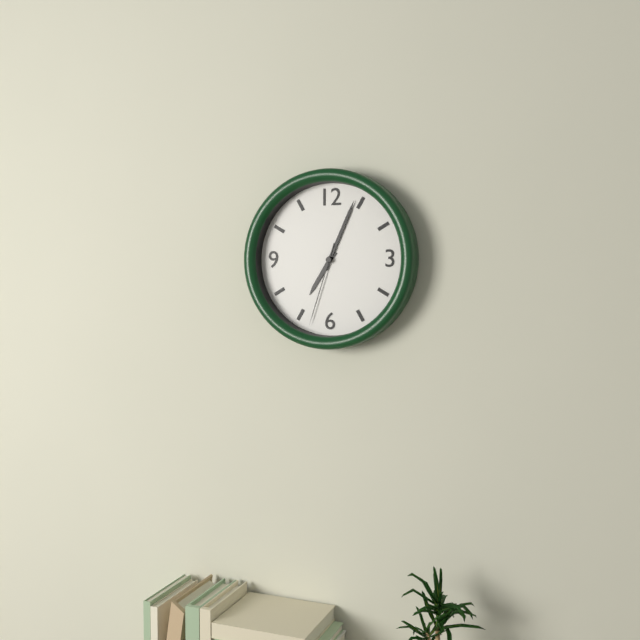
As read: 7h04m33s
